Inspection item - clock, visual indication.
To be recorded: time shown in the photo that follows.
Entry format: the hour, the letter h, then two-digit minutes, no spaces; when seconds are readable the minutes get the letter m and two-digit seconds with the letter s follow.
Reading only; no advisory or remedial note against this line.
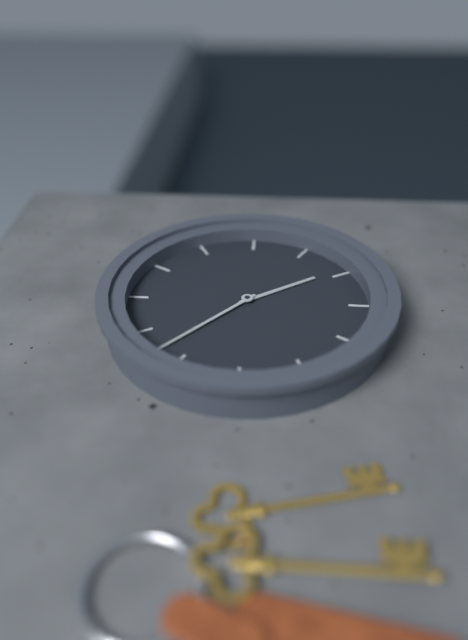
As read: 4h52
